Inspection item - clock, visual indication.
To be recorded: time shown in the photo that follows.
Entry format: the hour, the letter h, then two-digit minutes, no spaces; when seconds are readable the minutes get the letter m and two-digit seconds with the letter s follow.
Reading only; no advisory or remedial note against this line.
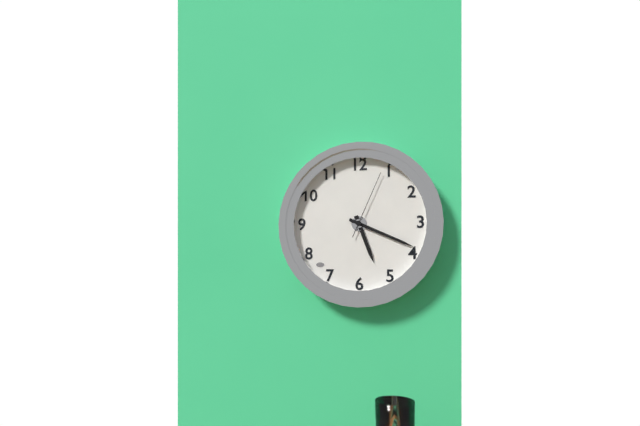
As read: 5h19m04s
